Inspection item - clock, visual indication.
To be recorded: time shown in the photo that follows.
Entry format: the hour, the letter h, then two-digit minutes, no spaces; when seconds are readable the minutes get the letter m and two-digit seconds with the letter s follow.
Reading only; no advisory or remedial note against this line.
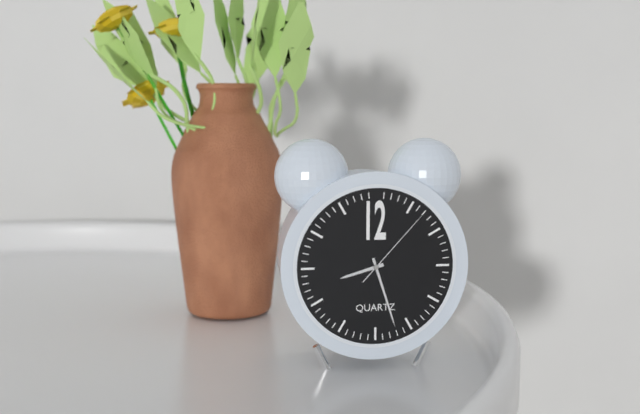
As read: 8h27m07s
